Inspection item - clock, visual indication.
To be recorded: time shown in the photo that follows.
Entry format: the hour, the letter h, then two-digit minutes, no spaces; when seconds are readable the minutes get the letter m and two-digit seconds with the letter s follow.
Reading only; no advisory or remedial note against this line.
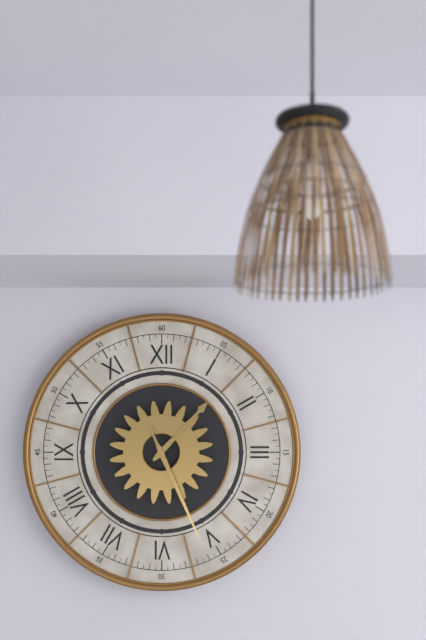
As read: 1h26
